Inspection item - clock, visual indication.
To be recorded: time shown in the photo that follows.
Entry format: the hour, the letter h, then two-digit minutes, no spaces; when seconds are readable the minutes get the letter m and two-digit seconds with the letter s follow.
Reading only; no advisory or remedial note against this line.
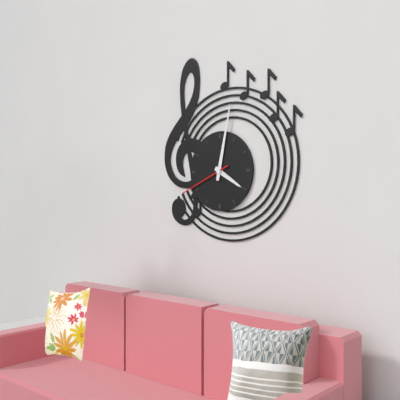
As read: 4h02m41s
